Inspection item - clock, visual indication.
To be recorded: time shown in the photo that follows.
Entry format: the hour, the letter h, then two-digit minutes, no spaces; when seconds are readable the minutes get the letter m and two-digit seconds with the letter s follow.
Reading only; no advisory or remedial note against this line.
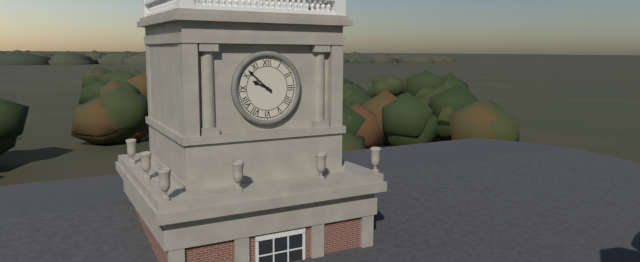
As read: 9h52
